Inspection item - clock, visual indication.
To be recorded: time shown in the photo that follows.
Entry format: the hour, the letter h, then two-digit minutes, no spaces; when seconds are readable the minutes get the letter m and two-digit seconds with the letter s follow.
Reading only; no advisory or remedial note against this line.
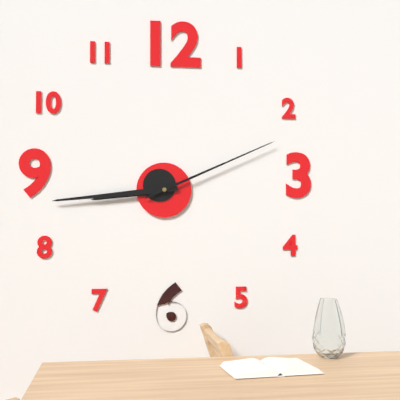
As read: 8h44m11s
